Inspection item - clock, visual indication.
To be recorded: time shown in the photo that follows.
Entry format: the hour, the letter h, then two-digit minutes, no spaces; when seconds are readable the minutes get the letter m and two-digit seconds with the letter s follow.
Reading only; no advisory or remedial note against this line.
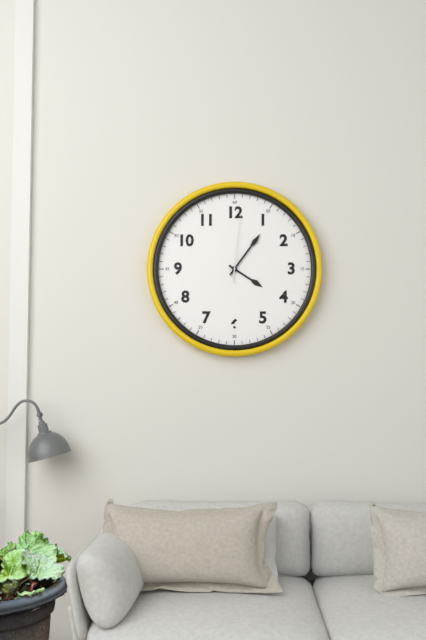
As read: 4h06m01s
